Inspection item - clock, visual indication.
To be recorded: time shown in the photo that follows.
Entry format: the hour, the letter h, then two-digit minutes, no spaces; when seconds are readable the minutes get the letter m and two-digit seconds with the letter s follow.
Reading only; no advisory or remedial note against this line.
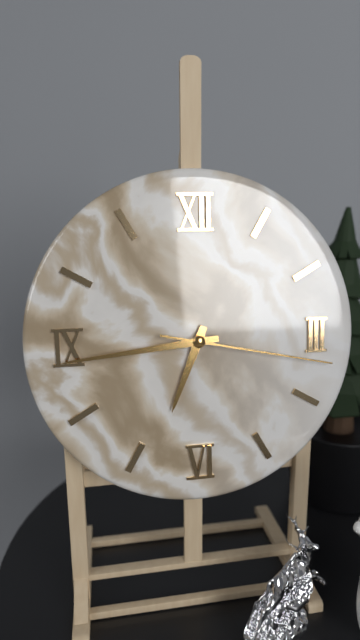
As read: 6h44m17s
